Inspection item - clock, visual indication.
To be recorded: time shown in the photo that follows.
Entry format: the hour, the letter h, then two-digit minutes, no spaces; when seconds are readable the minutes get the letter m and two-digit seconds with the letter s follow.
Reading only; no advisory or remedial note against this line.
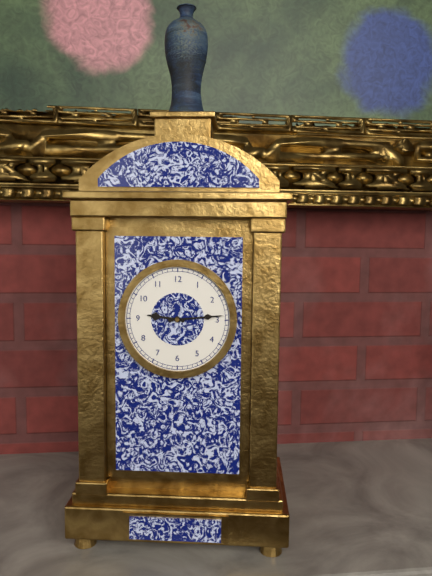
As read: 9h14
